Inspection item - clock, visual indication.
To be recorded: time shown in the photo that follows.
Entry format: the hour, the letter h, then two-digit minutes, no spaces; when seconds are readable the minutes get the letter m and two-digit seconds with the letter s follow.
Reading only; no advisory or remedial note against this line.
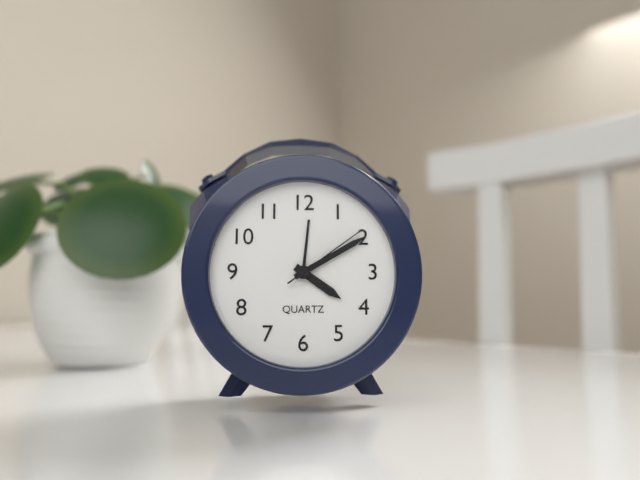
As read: 4h10m09s
